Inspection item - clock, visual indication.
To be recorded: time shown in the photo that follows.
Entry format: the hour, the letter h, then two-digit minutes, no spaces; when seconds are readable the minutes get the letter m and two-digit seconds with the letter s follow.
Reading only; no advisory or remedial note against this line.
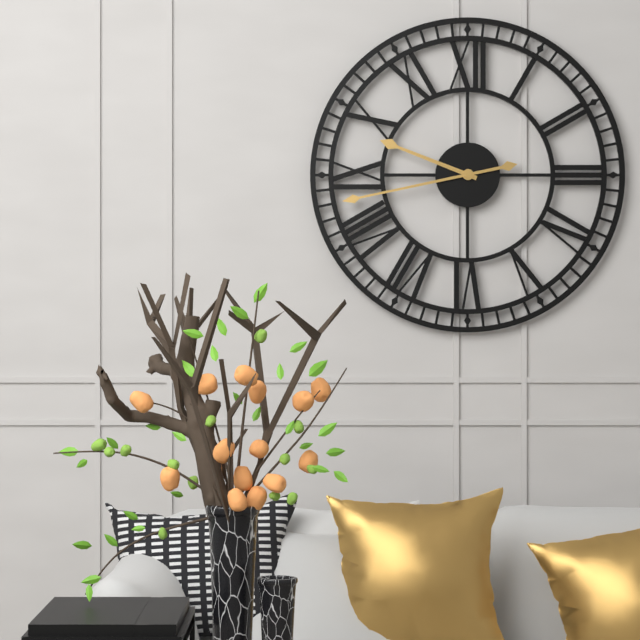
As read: 9h43
